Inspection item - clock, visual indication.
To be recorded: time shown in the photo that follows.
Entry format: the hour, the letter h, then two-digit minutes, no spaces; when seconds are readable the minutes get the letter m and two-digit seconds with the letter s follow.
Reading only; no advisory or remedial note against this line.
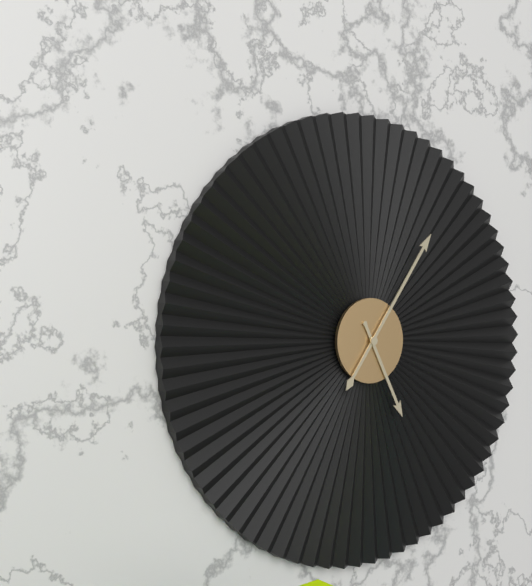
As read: 5h06
